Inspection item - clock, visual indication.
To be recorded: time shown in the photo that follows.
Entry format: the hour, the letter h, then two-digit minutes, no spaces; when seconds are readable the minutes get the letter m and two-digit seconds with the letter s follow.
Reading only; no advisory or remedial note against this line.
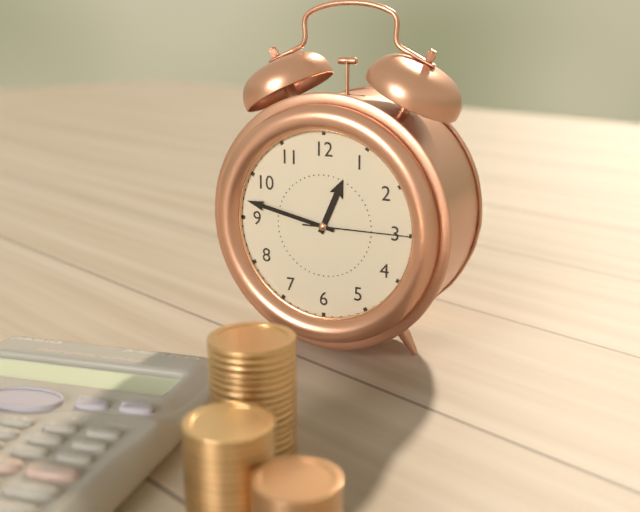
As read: 12h47m15s
